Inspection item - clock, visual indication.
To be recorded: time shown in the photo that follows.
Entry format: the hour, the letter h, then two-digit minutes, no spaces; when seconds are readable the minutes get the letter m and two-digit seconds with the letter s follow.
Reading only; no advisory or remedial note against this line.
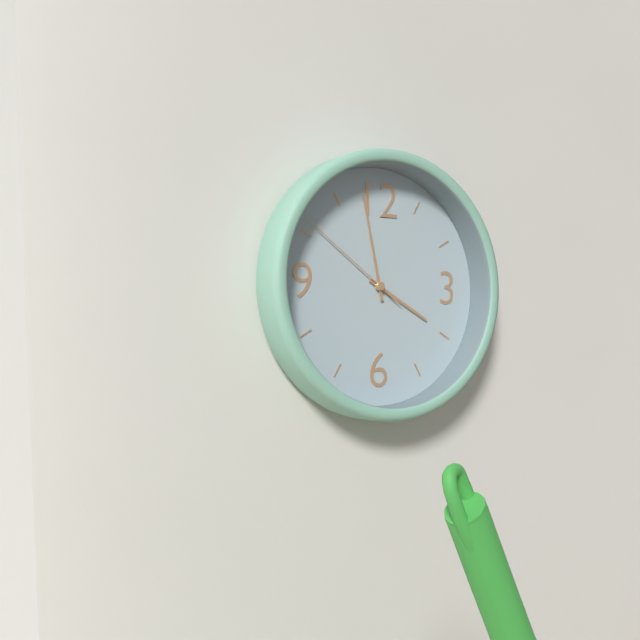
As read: 3h58m51s
